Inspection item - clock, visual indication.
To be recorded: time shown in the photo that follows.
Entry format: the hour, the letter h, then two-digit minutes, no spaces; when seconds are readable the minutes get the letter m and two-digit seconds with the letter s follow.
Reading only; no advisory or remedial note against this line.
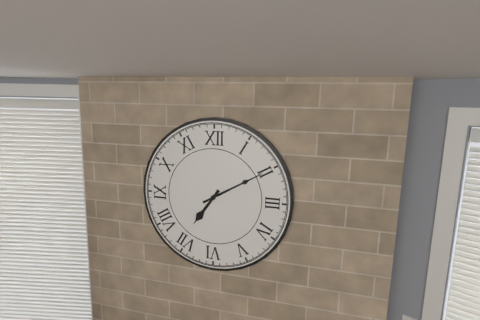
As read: 7h10
